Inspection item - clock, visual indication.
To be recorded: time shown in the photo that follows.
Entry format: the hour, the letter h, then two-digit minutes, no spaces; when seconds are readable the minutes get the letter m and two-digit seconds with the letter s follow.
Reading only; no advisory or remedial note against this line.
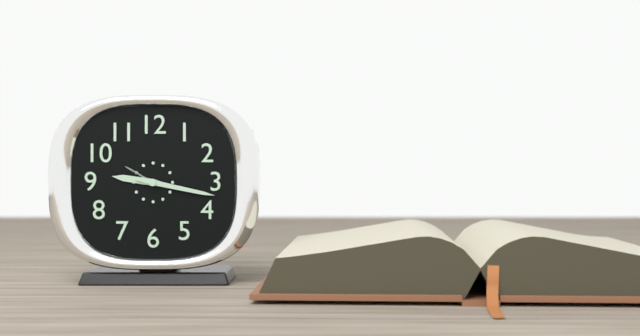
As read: 9h17
